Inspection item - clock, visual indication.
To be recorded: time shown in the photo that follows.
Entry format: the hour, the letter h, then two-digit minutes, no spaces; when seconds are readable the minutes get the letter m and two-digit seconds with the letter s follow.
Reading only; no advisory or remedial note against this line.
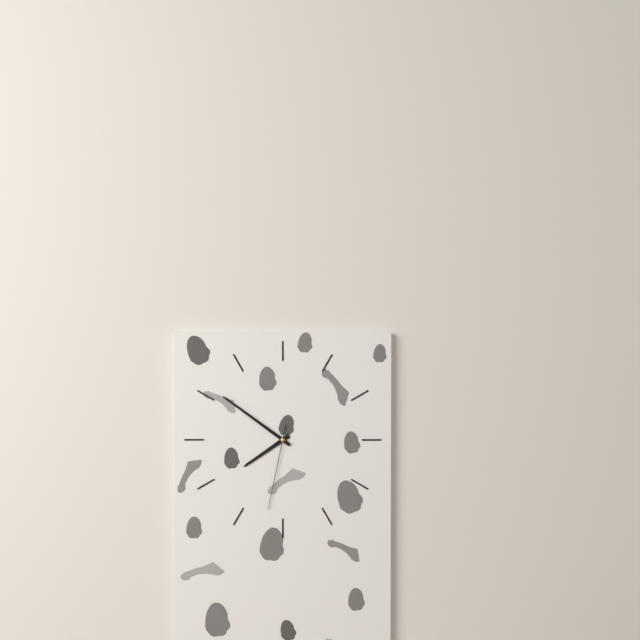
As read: 7h51m32s
